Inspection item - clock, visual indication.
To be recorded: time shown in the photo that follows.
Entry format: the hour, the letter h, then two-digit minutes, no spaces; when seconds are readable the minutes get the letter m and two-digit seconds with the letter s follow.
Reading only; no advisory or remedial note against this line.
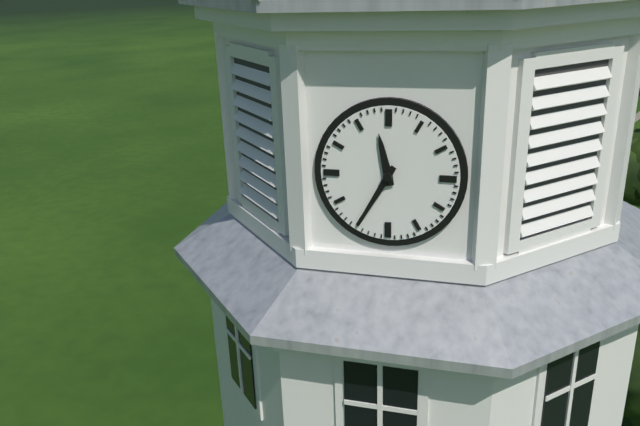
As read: 11h35
